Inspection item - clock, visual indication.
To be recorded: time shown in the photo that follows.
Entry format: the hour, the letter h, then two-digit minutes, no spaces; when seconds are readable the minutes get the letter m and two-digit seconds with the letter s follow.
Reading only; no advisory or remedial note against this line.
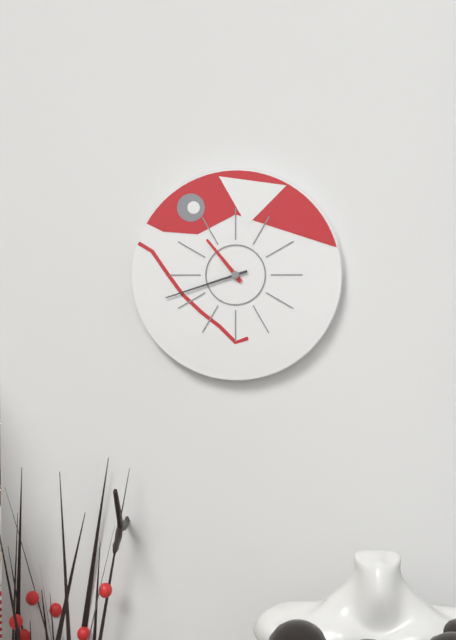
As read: 10h42
